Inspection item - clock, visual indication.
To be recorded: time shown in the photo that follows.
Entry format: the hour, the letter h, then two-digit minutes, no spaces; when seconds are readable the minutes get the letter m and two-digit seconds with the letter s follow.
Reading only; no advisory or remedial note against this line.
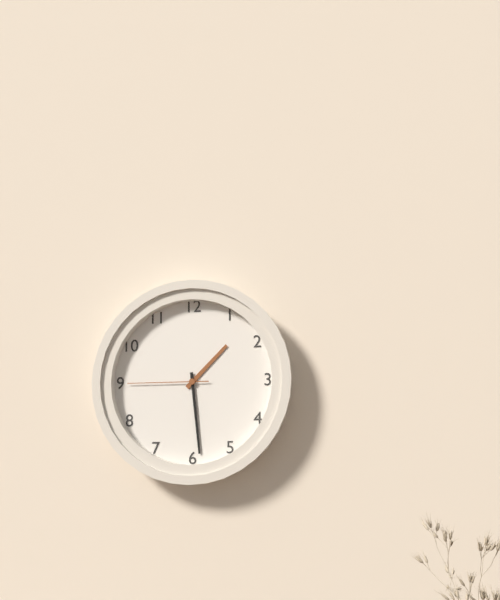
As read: 1h29m45s
